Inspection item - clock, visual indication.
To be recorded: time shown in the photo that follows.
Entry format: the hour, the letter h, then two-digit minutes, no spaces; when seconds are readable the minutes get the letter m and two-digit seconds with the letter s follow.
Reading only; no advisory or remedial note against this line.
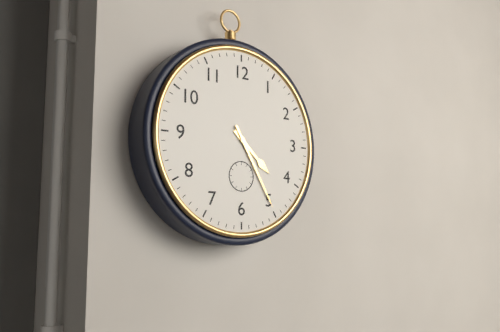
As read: 4h25
